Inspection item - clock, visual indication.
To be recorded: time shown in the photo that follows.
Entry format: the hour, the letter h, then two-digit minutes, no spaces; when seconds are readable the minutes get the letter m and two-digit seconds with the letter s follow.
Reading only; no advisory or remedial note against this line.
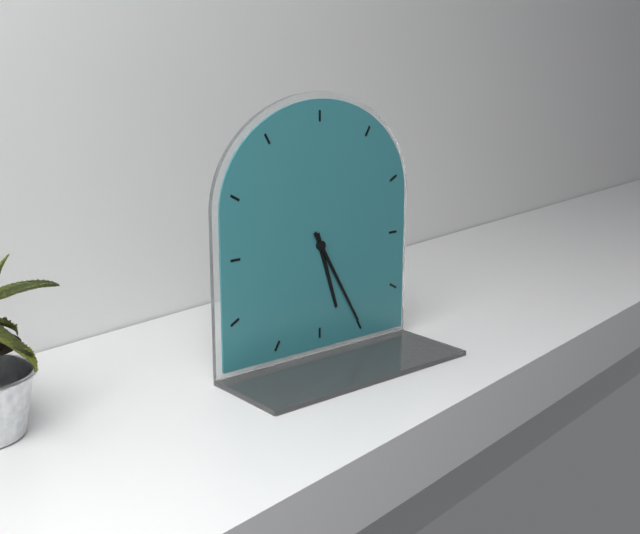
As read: 5h25
